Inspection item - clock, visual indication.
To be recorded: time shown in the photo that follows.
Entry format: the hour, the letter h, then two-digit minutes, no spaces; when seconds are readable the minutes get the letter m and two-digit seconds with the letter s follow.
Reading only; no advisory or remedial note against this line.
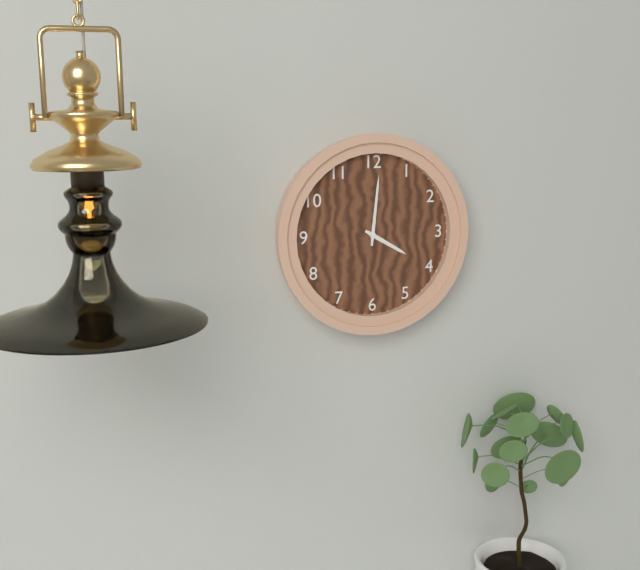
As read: 4h01
